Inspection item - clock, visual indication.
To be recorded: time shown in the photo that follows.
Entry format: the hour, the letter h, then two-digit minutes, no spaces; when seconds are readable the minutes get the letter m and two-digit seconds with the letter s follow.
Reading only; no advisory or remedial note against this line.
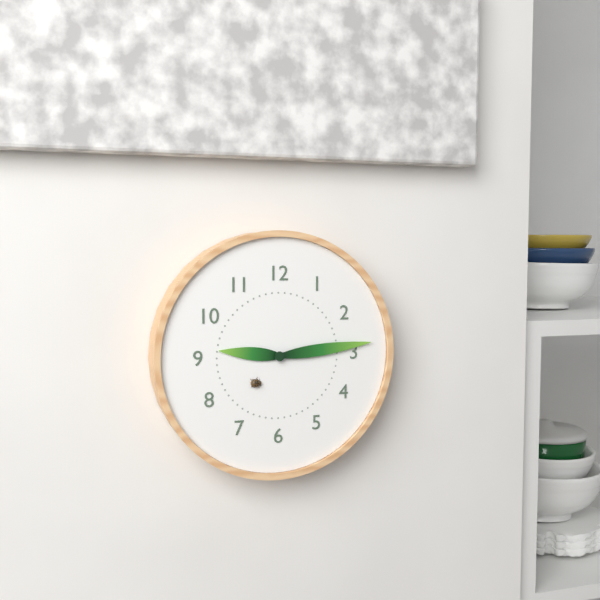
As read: 9h14
